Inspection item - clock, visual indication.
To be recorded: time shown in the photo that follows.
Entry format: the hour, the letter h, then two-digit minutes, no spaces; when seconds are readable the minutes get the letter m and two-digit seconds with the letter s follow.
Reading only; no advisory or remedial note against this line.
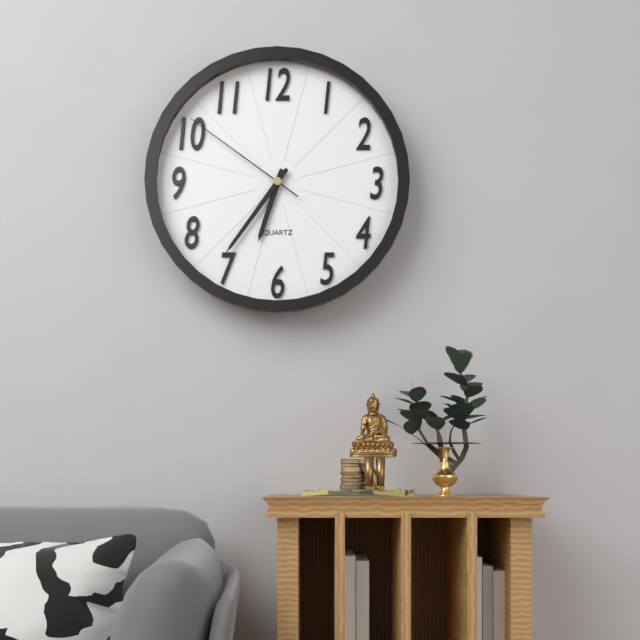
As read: 6h36m51s
